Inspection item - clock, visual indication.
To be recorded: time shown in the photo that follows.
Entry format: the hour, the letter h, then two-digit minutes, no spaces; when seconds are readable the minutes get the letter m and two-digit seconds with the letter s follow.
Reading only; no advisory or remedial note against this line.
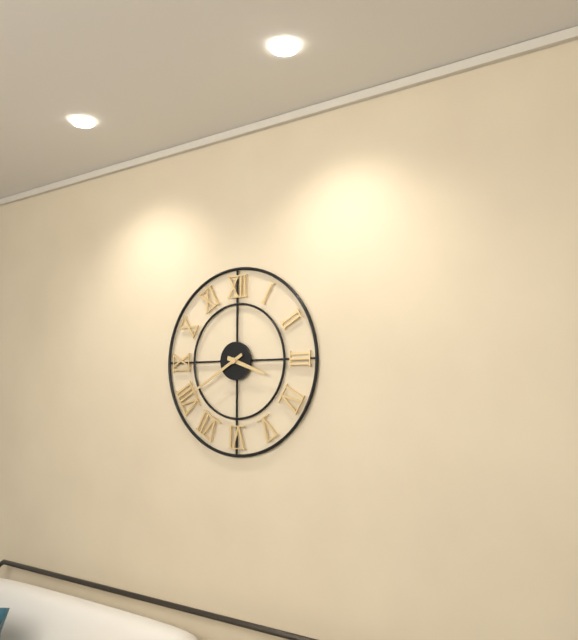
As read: 3h40
